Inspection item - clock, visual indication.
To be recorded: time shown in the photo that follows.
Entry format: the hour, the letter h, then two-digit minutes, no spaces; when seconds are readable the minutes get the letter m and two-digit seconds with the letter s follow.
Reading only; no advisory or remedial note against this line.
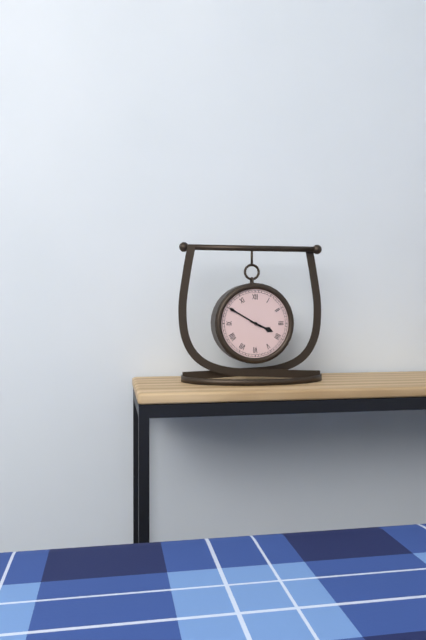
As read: 3h50
